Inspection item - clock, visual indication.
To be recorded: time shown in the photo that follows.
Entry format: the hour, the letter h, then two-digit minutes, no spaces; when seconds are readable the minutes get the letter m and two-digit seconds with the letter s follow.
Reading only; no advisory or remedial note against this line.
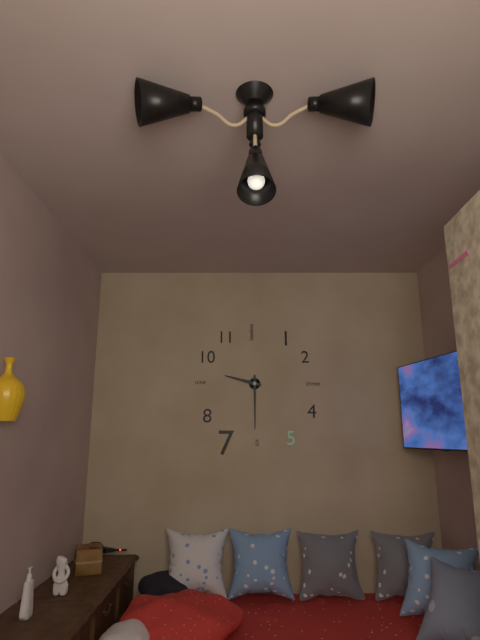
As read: 9h30
